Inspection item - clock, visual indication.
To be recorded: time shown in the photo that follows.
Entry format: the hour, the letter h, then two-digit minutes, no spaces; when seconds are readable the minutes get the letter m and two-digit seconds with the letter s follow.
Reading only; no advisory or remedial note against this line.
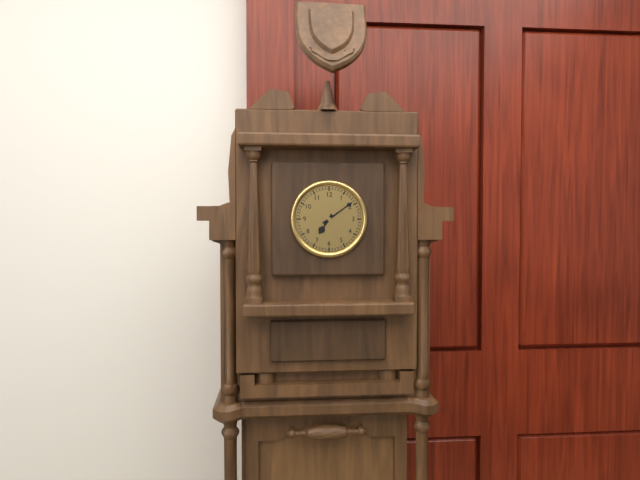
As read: 7h09
